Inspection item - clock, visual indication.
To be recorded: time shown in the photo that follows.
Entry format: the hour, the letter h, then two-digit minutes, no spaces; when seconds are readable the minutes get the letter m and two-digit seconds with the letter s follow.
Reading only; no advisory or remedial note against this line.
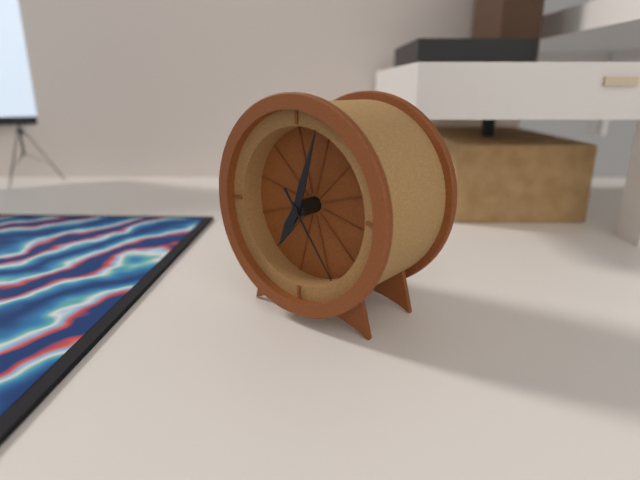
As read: 7h03m24s
